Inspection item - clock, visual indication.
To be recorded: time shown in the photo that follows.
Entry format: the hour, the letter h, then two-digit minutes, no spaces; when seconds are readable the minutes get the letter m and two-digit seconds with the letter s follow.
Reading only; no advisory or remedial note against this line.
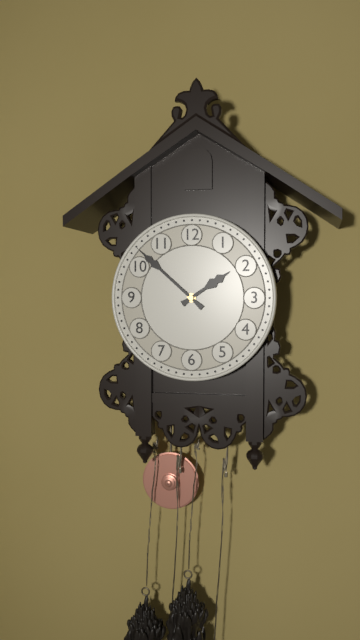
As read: 1h52
